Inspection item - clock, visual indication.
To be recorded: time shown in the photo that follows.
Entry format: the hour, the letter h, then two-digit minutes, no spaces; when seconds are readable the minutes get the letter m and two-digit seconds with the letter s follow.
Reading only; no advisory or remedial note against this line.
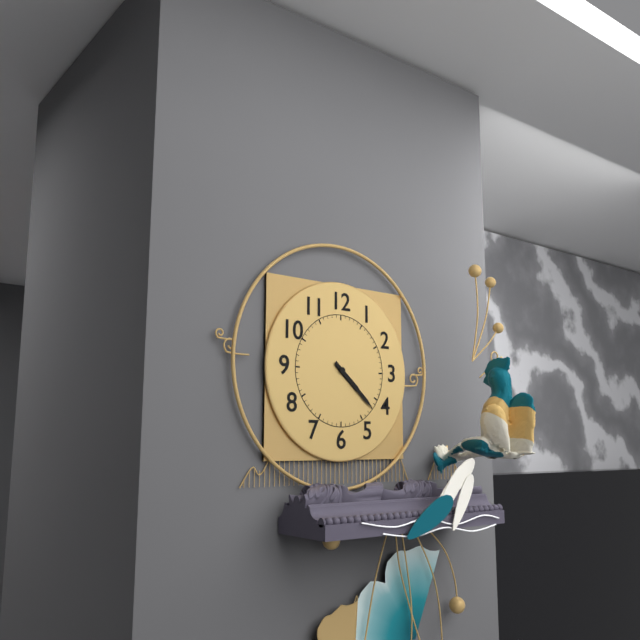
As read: 4h22
